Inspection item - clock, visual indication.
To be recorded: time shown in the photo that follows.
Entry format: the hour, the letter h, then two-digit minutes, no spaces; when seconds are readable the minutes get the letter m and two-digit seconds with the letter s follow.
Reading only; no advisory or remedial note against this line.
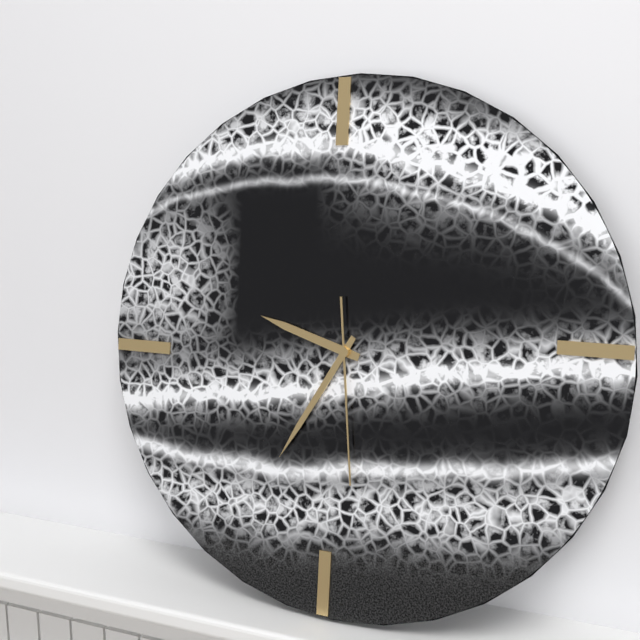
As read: 9h35m29s
